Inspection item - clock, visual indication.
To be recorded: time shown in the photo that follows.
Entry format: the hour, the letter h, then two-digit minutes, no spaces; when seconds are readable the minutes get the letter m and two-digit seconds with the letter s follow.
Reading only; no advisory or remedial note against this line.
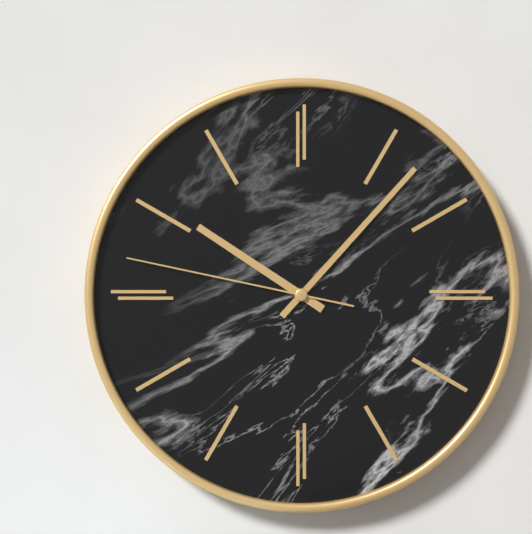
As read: 10h07m47s
